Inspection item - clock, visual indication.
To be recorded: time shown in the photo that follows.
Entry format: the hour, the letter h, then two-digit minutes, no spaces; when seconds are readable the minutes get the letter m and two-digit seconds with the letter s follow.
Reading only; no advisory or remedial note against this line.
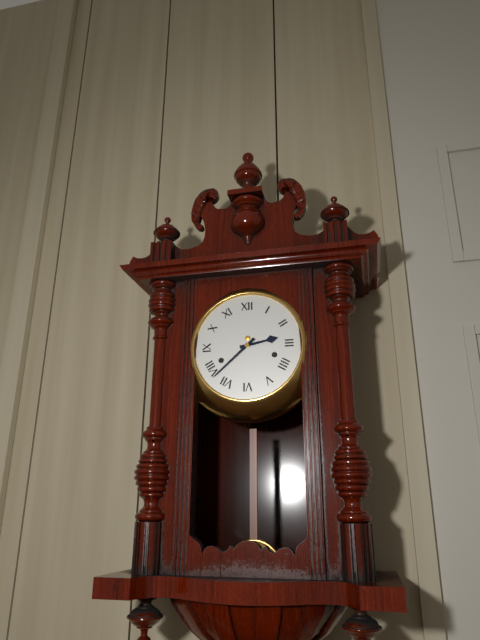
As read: 2h38
